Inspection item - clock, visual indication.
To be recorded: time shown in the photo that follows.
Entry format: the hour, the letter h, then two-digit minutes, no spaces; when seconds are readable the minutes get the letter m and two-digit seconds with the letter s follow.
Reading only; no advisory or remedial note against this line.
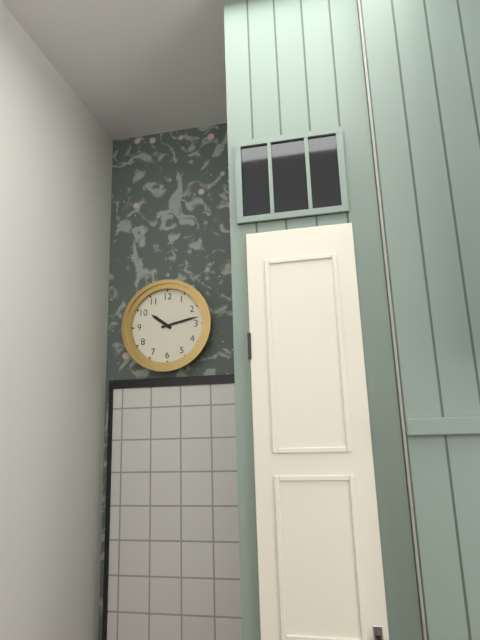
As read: 10h13
